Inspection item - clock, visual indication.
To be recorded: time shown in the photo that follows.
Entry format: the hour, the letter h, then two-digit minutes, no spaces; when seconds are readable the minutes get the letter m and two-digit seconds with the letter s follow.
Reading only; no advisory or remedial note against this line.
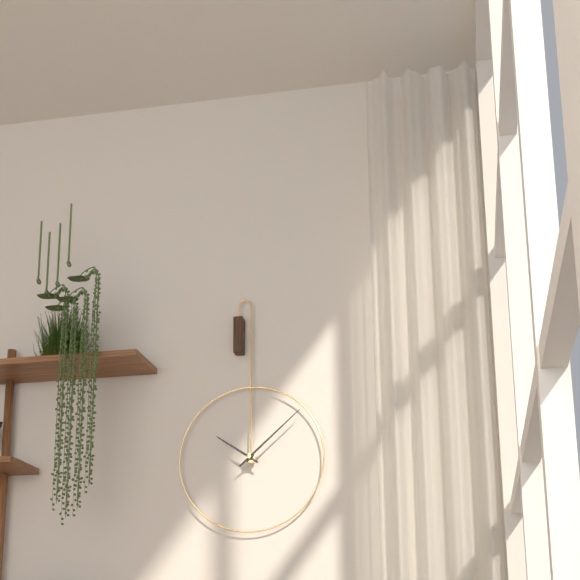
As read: 10h08
